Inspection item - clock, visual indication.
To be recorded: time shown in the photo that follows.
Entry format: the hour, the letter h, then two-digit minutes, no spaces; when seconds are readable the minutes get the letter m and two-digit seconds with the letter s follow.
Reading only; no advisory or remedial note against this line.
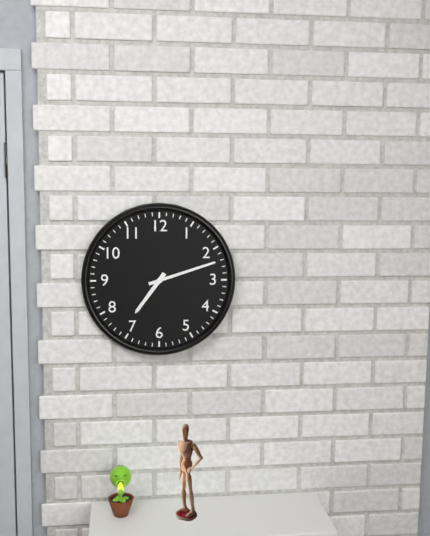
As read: 7h12
